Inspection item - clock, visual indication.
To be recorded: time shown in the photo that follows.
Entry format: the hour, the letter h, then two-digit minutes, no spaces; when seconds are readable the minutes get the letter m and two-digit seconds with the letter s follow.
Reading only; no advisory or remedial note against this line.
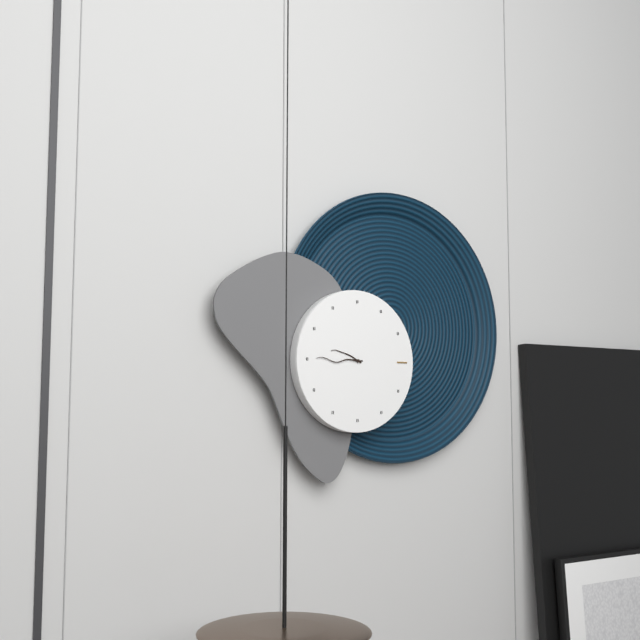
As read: 9h45
